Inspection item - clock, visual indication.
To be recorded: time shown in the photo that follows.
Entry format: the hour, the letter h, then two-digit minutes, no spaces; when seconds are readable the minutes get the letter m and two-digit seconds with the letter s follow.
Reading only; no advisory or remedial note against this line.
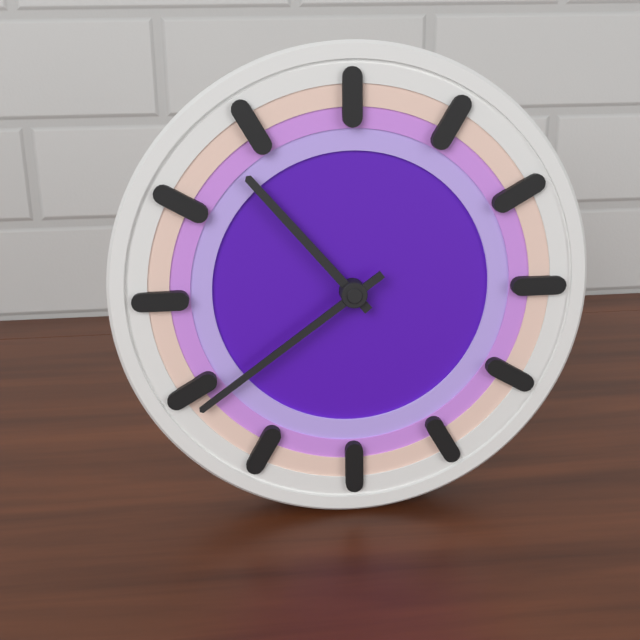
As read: 10h39
